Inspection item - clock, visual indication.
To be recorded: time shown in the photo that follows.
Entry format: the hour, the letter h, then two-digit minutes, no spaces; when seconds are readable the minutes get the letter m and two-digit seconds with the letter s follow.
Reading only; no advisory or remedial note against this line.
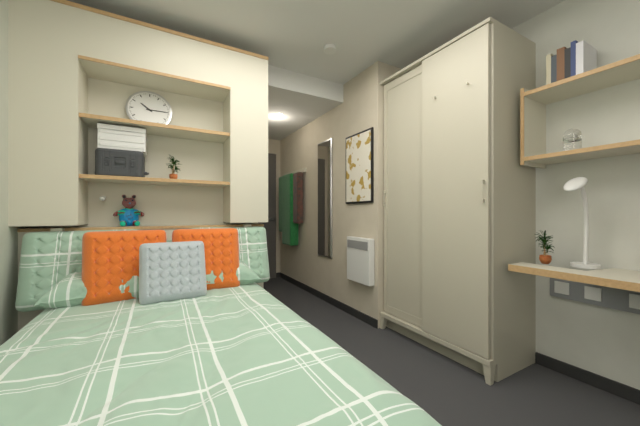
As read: 10h15
